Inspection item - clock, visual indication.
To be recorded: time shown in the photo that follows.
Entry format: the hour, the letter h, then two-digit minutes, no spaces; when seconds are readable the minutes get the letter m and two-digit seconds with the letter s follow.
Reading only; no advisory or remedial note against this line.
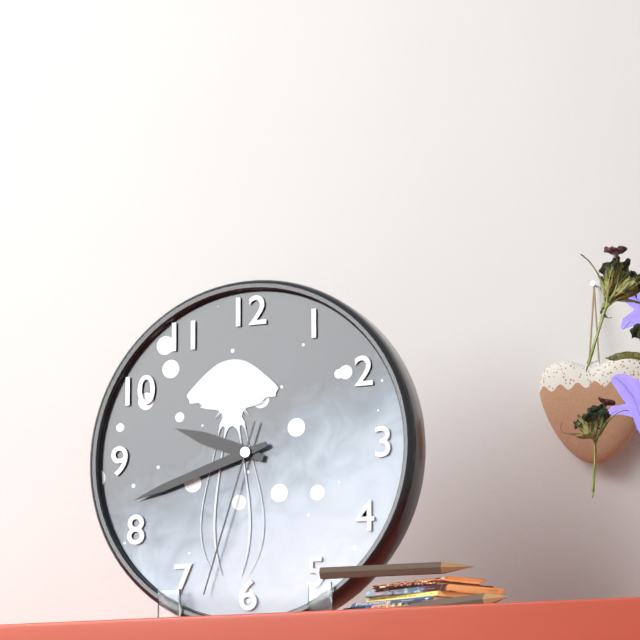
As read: 9h42m33s
